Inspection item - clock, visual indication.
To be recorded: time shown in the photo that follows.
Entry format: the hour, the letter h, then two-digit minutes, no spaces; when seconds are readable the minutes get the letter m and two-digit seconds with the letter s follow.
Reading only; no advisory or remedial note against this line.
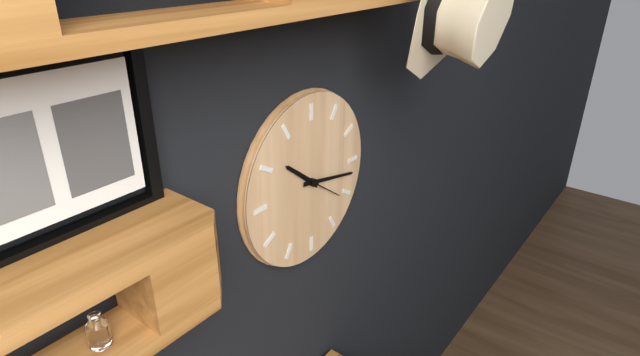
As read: 10h17
